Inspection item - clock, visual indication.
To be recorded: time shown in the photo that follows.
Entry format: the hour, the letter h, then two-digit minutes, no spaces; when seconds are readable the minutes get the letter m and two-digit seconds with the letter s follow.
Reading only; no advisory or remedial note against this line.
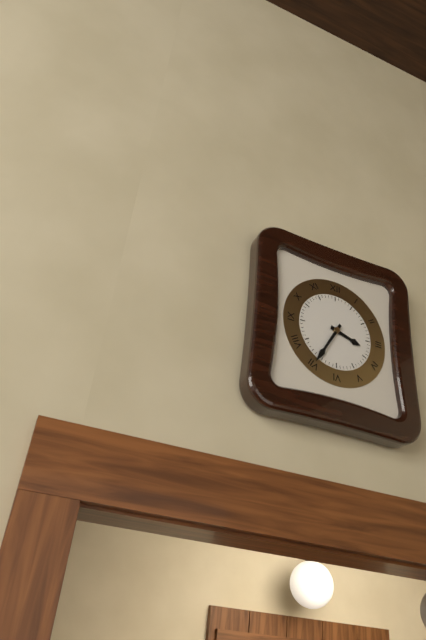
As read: 3h35
